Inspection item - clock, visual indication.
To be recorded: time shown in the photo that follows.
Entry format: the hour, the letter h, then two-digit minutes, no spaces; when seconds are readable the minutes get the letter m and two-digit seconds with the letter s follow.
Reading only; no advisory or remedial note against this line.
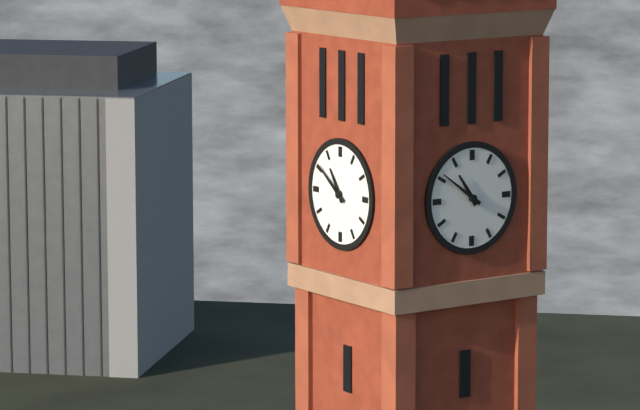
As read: 10h51
